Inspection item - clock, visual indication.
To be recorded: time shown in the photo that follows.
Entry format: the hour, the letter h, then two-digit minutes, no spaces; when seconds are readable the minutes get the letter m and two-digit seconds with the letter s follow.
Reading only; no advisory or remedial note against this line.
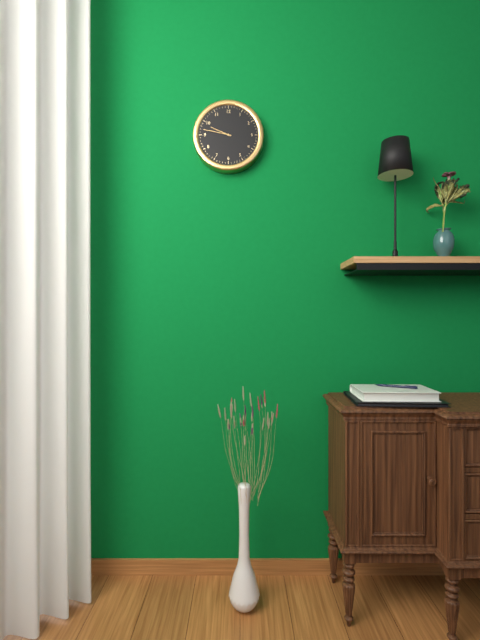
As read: 9h47
